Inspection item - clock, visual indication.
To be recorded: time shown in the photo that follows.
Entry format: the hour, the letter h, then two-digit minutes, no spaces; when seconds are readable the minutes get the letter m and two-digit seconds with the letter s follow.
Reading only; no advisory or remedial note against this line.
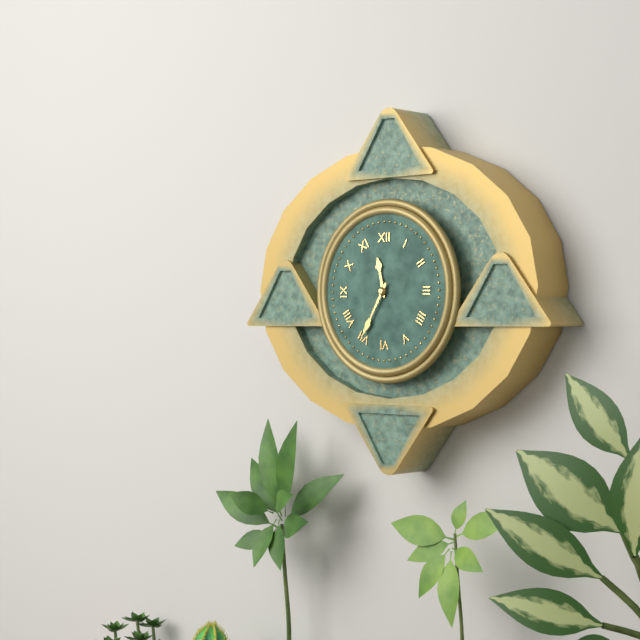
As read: 11h35
